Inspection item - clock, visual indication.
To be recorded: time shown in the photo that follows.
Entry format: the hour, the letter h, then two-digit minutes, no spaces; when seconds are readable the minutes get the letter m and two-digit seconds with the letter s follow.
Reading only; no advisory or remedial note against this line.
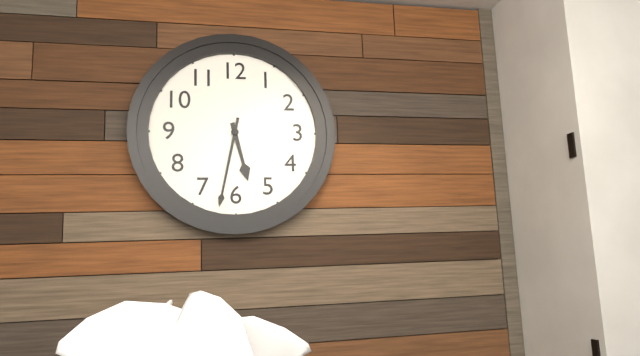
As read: 5h32
